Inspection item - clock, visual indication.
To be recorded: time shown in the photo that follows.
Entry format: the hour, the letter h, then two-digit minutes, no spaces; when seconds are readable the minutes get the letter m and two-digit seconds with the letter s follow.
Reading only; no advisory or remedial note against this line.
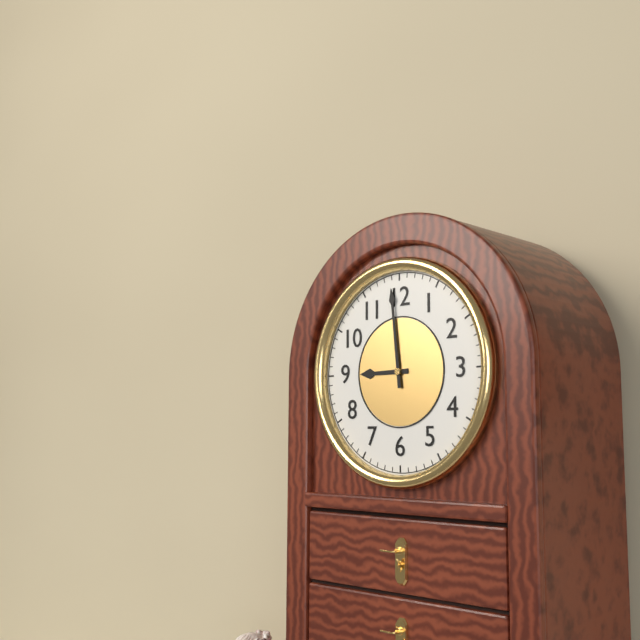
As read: 8h59
